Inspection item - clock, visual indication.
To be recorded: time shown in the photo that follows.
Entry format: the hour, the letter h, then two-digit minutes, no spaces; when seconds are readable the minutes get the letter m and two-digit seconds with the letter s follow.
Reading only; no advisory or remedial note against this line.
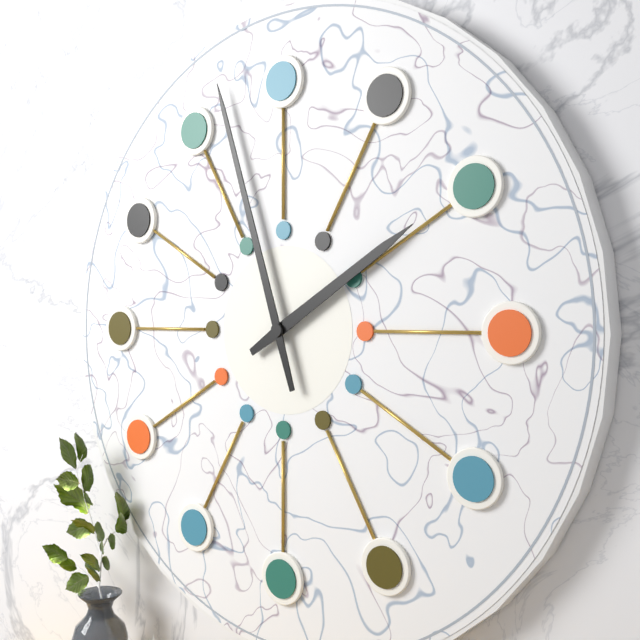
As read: 1h57
